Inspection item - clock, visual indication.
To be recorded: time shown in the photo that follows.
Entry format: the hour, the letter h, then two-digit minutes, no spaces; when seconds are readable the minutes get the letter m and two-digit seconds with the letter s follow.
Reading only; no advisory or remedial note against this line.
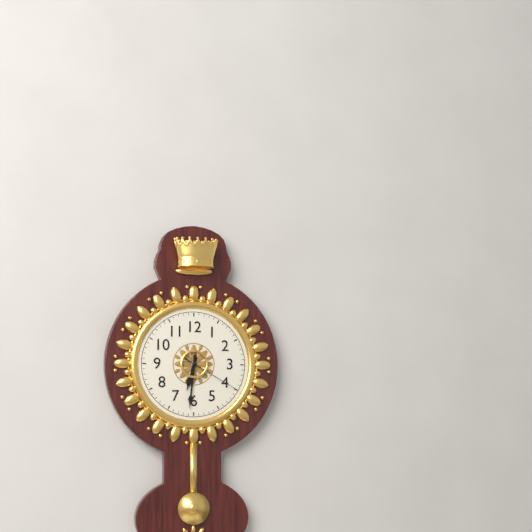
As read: 6h31m20s
